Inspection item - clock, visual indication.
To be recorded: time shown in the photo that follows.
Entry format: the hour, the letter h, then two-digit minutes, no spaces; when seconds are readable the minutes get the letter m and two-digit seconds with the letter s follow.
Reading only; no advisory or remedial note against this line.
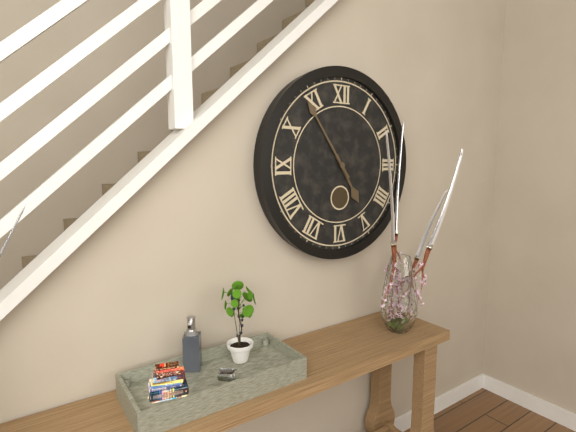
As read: 4h54
